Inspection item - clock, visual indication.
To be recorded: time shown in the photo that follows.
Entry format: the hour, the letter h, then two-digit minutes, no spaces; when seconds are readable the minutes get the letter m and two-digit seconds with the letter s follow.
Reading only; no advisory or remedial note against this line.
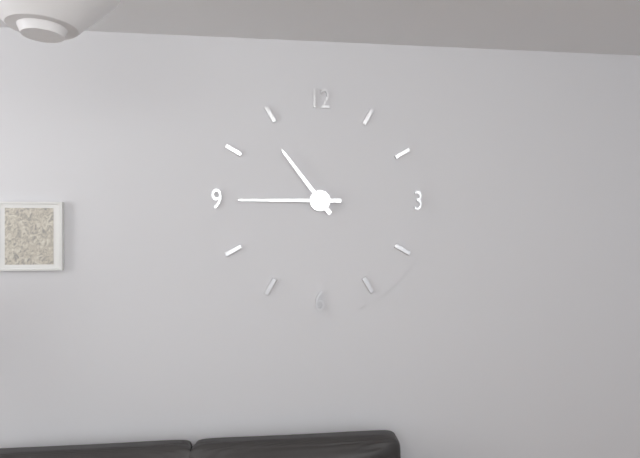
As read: 10h45
